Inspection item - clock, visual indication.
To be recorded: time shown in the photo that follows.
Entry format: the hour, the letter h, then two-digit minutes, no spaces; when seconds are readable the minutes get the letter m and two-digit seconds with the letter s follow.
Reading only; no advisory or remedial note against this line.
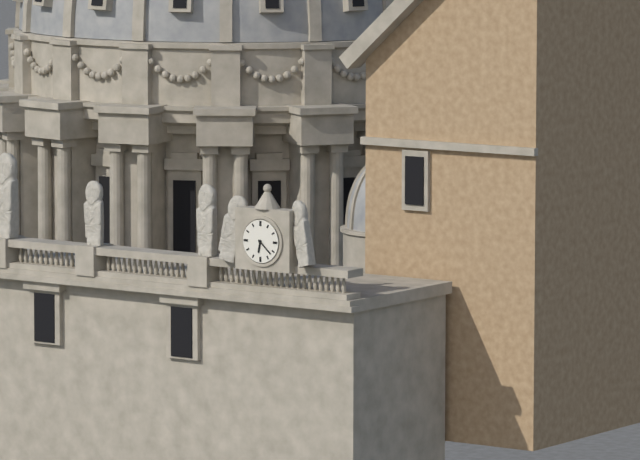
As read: 6h22
